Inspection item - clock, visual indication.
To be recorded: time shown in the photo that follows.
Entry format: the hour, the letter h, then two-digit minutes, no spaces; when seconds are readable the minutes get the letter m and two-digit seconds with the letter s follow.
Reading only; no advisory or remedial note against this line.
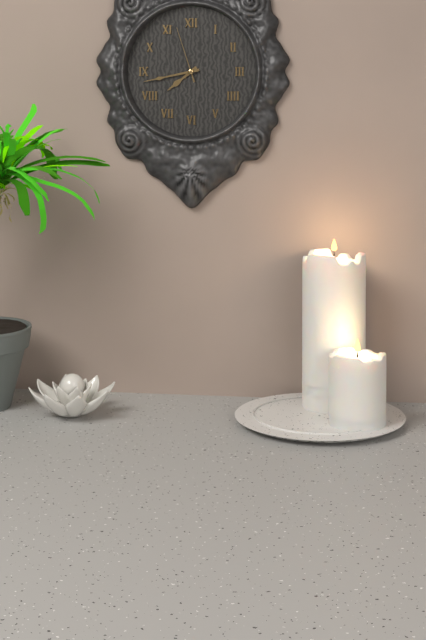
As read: 7h43m57s
